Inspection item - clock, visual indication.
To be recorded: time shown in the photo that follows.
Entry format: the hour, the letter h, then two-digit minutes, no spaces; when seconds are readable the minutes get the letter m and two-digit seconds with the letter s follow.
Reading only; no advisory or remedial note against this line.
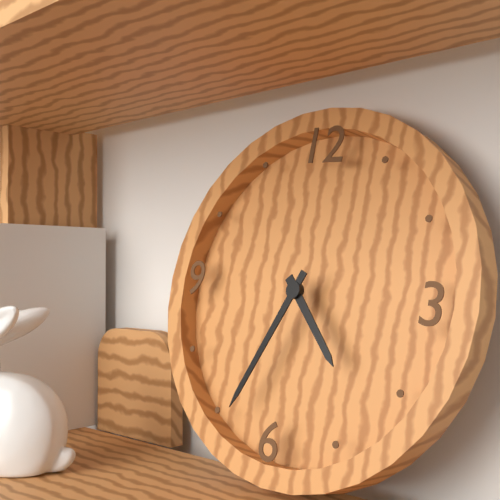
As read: 4h34
